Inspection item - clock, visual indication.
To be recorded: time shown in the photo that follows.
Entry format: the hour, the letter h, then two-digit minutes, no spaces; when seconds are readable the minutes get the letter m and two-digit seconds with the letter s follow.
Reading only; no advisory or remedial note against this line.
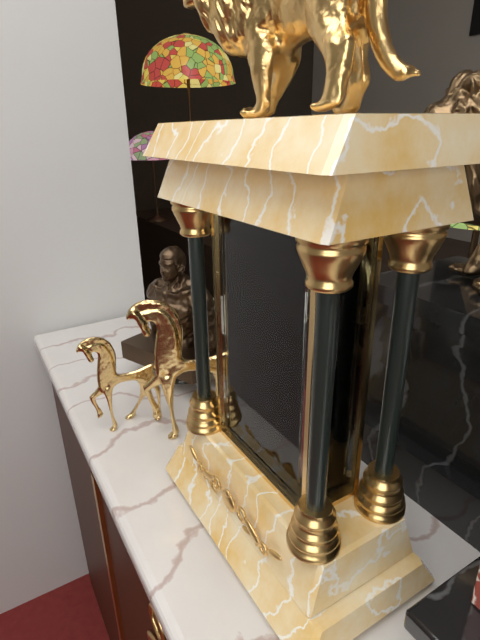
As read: 12h28
